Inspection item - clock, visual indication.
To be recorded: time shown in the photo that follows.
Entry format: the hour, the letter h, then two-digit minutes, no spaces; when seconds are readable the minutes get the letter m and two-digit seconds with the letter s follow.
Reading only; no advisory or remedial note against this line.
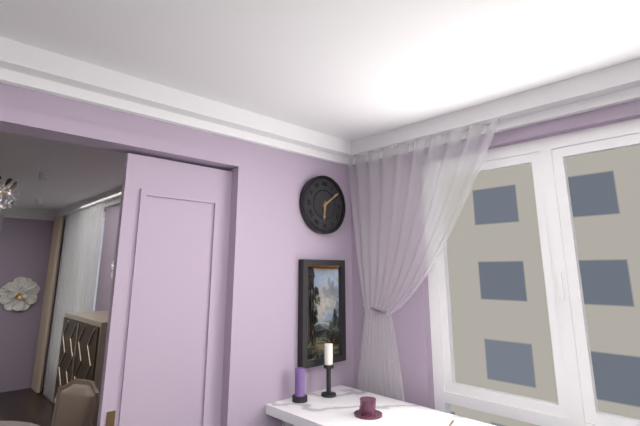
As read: 6h09
